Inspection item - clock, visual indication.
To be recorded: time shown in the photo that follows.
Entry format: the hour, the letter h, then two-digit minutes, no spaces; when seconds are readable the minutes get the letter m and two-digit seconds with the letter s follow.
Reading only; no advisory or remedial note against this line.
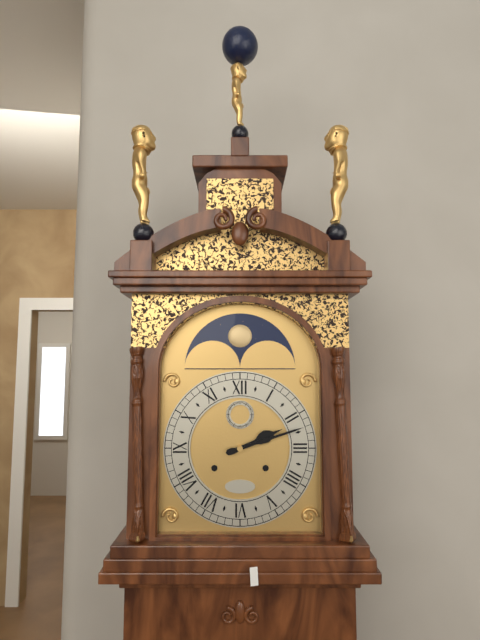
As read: 2h12
